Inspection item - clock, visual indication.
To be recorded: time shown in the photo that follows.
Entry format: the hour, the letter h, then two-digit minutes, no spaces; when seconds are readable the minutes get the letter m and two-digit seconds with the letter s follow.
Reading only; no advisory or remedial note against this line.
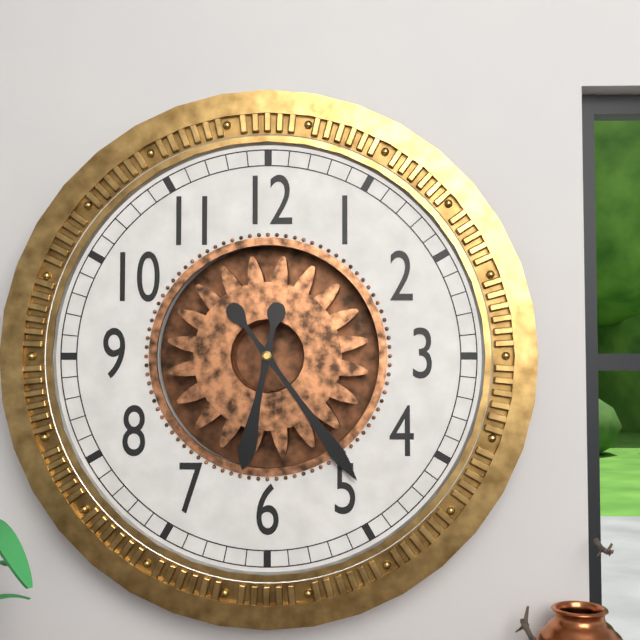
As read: 6h24
